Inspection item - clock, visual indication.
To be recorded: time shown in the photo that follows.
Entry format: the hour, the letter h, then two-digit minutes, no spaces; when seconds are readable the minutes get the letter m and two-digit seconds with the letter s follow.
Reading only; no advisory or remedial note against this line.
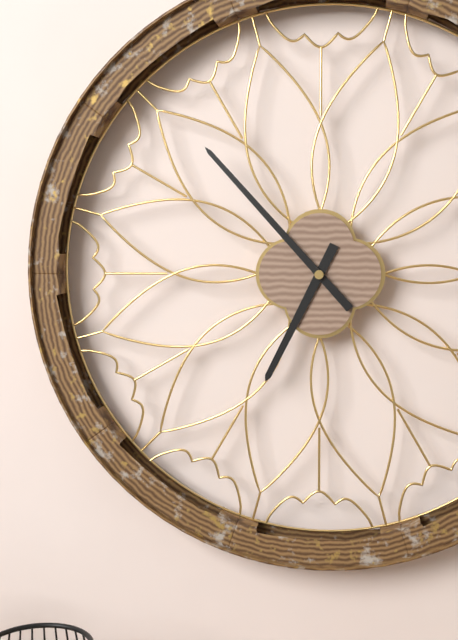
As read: 6h53
